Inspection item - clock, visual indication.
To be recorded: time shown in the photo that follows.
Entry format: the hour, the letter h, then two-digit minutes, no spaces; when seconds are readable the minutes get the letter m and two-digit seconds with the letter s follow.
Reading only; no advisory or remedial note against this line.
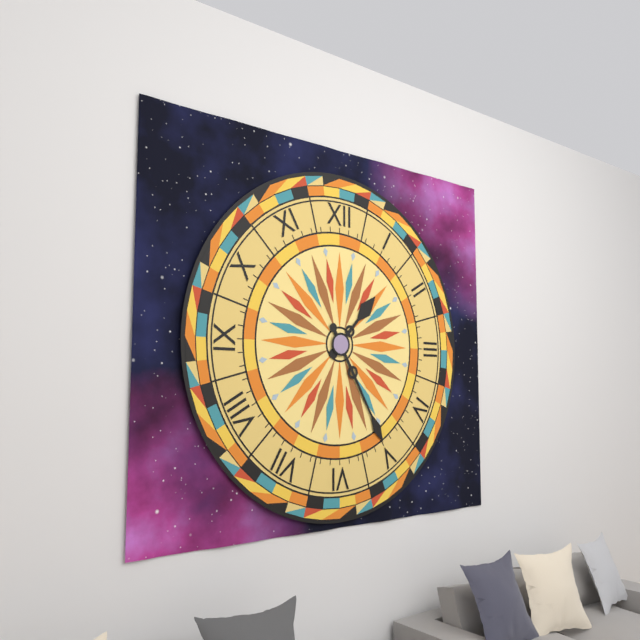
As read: 1h25
